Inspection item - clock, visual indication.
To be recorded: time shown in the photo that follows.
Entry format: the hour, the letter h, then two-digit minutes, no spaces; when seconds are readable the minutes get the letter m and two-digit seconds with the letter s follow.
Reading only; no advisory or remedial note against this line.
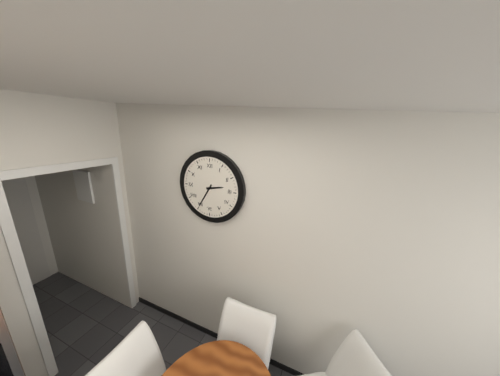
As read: 2h35
